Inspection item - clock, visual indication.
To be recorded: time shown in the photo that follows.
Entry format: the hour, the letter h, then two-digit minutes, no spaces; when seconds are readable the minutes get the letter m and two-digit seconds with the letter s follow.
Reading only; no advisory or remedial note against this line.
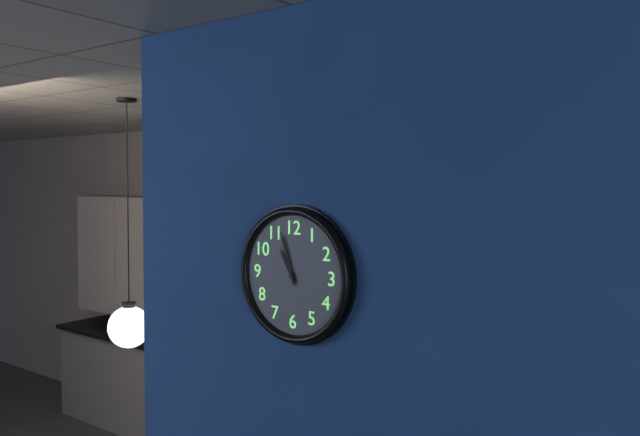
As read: 10h57
